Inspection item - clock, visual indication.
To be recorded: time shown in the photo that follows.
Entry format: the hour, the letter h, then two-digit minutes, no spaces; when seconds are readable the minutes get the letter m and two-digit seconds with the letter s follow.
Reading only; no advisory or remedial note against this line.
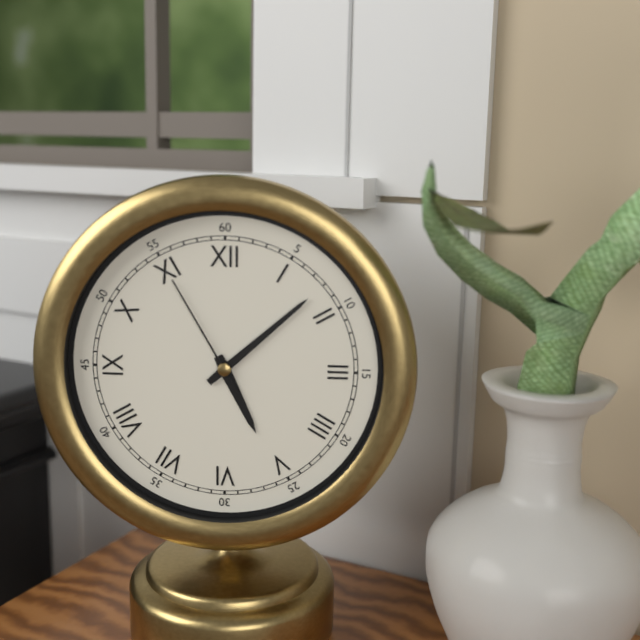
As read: 5h08m55s
